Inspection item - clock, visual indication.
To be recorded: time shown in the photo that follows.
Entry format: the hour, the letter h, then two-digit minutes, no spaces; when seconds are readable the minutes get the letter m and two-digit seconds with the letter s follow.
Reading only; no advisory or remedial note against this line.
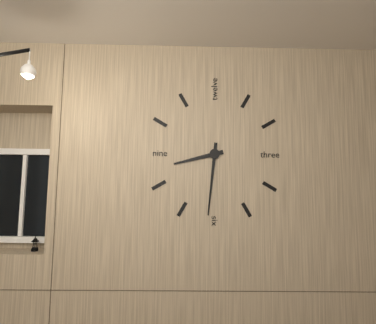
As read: 8h31
